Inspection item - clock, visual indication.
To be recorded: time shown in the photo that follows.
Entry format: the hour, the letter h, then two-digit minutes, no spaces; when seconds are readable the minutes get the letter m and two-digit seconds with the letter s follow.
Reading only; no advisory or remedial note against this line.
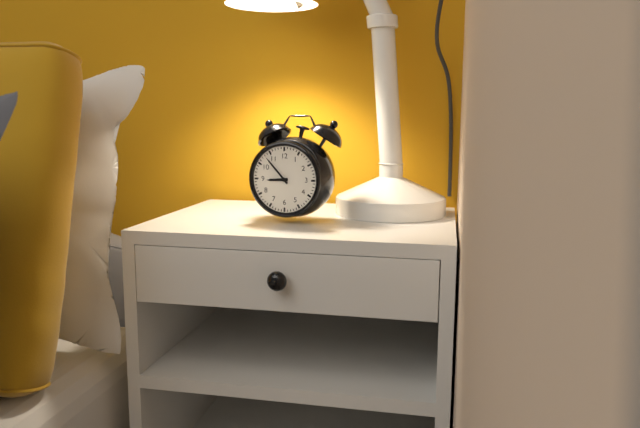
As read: 8h53
